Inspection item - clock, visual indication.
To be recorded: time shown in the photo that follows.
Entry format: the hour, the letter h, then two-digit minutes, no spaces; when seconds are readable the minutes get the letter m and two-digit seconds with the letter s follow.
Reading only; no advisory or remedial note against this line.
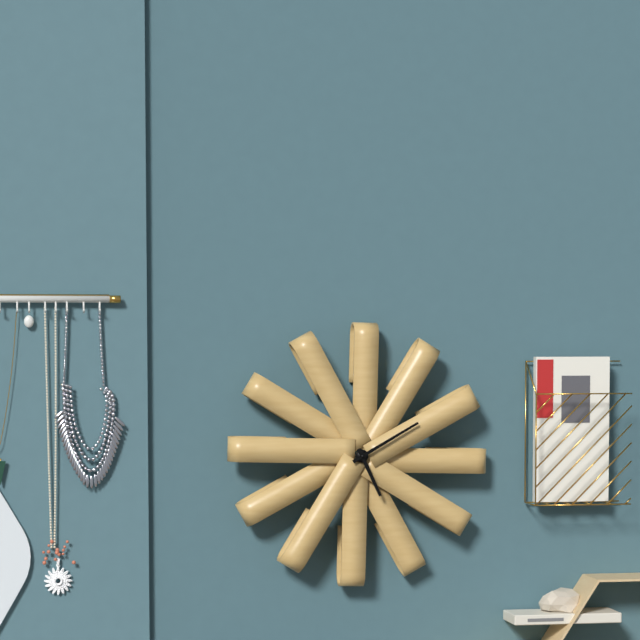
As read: 5h10
